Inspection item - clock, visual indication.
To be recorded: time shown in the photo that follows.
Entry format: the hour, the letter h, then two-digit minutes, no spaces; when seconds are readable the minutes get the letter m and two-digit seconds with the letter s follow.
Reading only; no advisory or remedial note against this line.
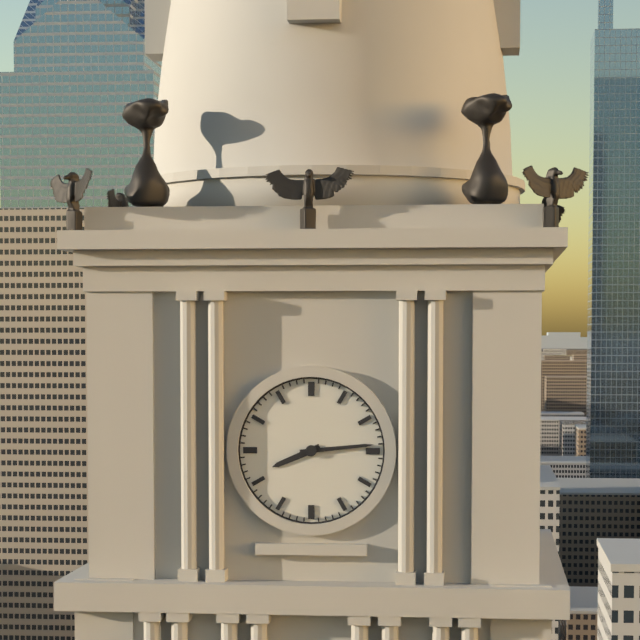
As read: 8h14
